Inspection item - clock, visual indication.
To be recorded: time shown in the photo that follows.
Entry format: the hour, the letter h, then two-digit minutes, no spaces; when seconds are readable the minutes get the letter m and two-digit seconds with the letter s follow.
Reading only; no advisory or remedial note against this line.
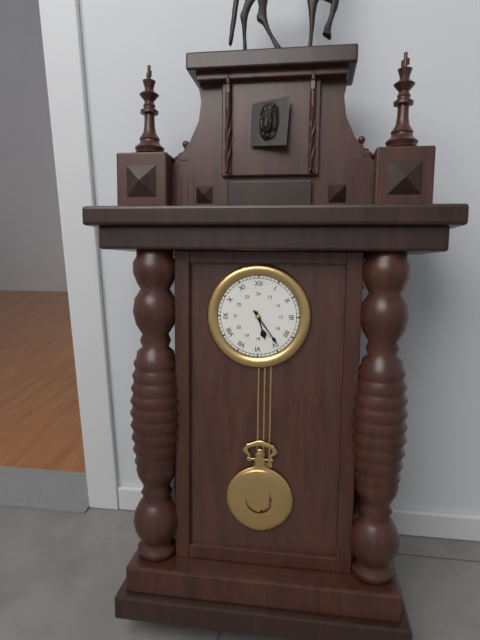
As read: 5h24
